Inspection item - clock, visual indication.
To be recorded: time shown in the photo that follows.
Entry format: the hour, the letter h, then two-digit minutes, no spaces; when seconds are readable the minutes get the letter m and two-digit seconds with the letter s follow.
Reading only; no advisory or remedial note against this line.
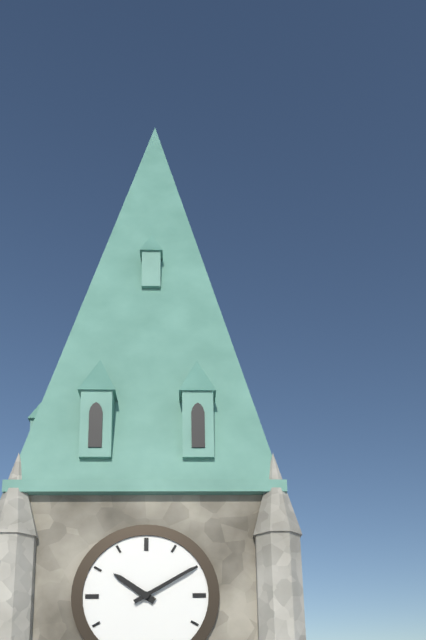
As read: 10h10
